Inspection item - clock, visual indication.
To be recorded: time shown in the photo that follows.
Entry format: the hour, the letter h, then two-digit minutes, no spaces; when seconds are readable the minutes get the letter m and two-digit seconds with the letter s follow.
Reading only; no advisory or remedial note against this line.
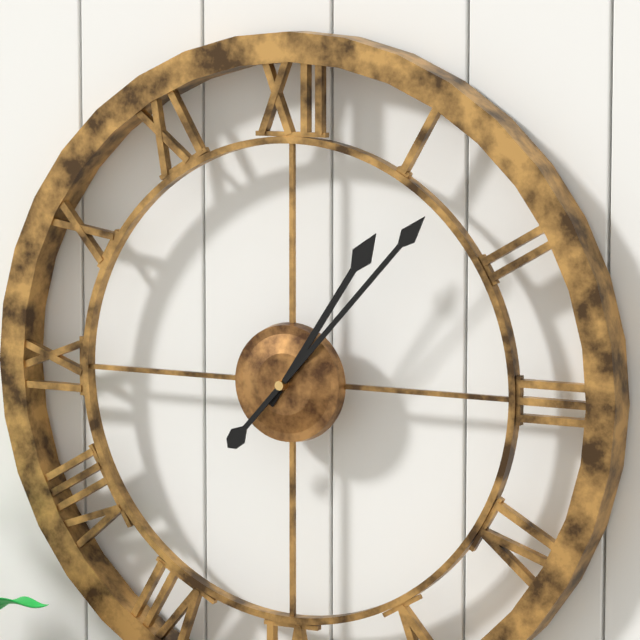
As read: 1h07
